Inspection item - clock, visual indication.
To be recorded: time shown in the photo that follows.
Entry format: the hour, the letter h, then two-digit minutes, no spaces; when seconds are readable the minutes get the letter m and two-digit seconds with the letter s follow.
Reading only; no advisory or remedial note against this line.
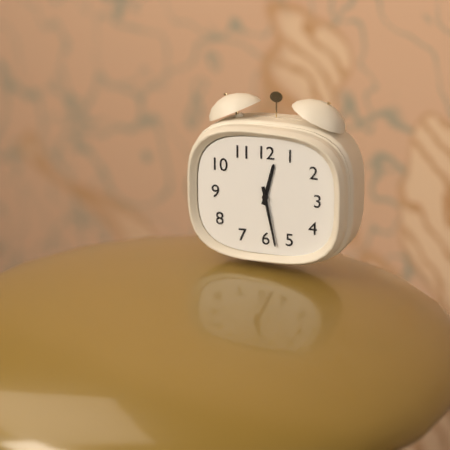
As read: 12h28
